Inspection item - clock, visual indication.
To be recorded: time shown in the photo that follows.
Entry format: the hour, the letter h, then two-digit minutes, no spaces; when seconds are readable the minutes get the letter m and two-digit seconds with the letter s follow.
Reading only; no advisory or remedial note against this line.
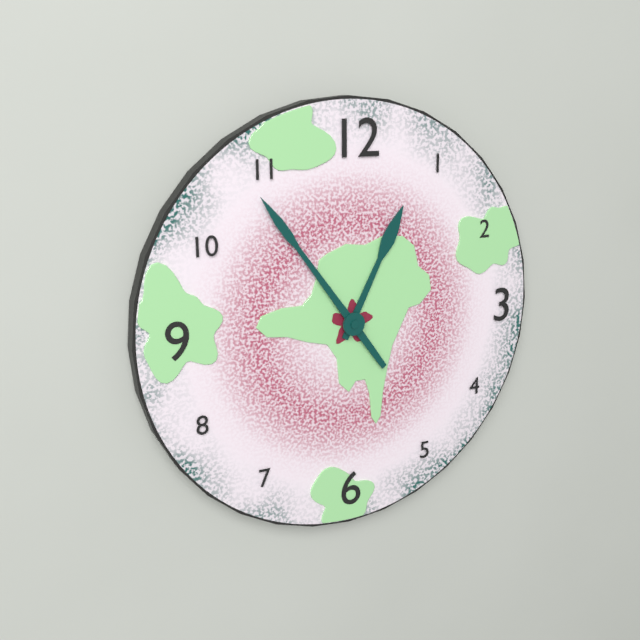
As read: 12h54
